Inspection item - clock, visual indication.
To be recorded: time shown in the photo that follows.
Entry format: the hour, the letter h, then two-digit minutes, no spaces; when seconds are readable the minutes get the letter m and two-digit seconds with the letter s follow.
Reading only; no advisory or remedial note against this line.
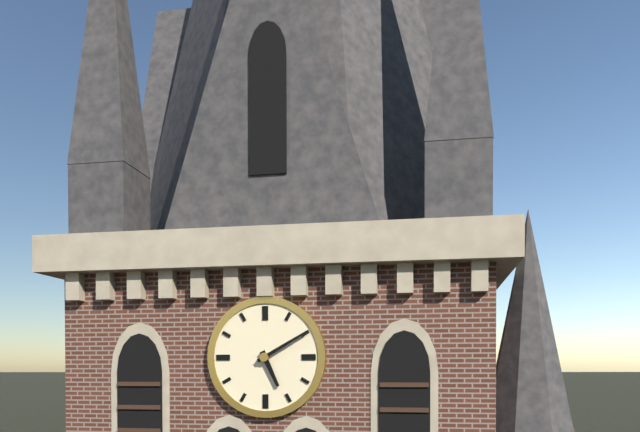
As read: 5h10
